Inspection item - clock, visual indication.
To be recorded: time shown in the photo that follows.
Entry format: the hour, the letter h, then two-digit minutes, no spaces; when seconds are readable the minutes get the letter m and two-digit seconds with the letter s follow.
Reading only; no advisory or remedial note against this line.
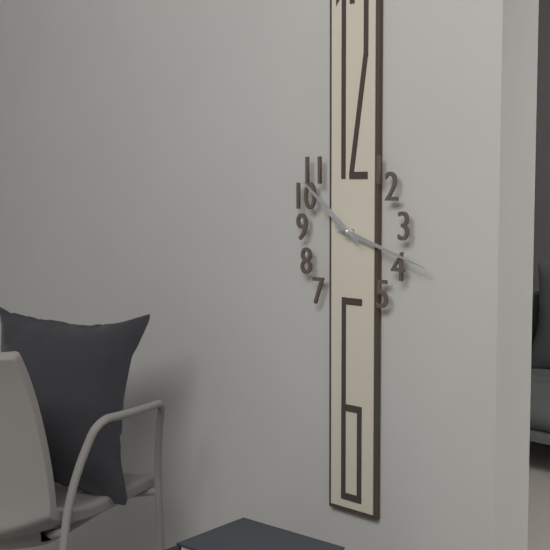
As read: 10h18
